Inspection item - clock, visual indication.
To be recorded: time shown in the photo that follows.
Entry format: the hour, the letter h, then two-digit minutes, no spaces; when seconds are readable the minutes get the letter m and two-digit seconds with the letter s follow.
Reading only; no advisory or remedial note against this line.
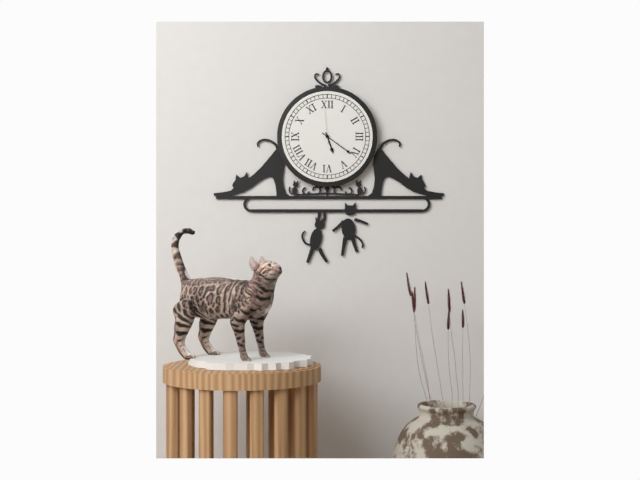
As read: 5h21
